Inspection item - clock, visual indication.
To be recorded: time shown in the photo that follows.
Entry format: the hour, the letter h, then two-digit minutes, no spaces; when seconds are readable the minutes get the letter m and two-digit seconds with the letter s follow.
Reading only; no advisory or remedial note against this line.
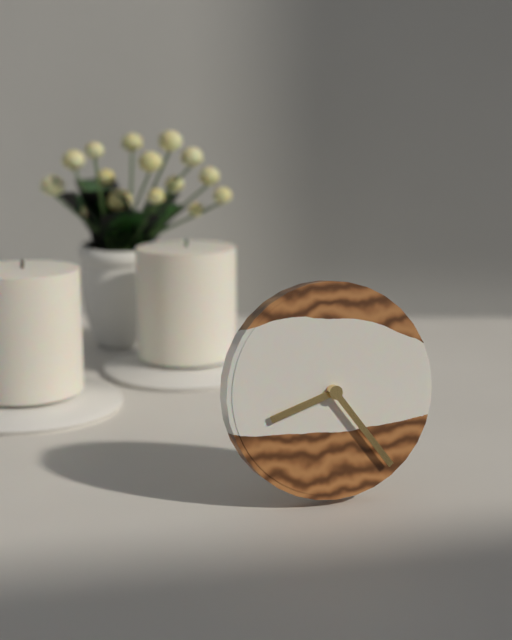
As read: 8h24
